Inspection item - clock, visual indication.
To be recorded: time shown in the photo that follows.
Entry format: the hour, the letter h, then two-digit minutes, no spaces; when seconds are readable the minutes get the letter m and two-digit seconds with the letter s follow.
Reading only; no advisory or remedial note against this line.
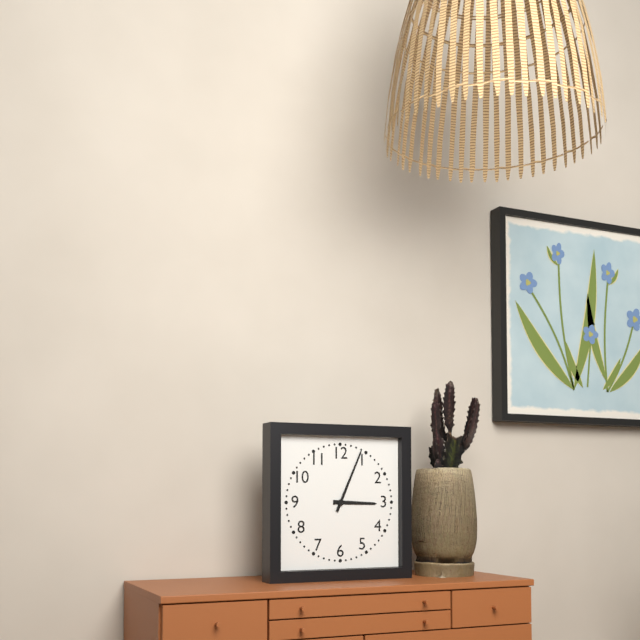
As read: 3h04
